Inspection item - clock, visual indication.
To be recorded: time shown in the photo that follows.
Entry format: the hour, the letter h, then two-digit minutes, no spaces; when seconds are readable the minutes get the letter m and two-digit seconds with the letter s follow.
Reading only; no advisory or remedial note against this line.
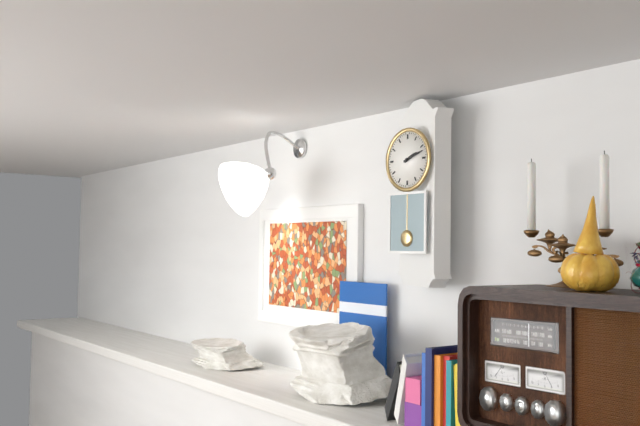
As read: 2h12
